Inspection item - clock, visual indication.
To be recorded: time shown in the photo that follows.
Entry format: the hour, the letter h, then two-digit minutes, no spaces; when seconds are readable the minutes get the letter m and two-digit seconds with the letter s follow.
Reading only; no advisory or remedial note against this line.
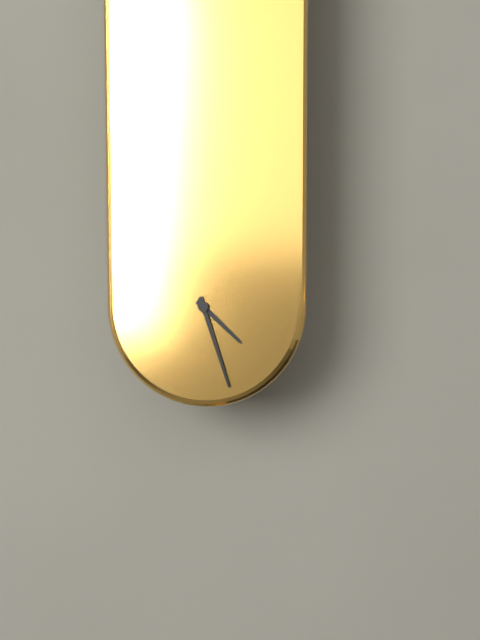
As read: 4h27
